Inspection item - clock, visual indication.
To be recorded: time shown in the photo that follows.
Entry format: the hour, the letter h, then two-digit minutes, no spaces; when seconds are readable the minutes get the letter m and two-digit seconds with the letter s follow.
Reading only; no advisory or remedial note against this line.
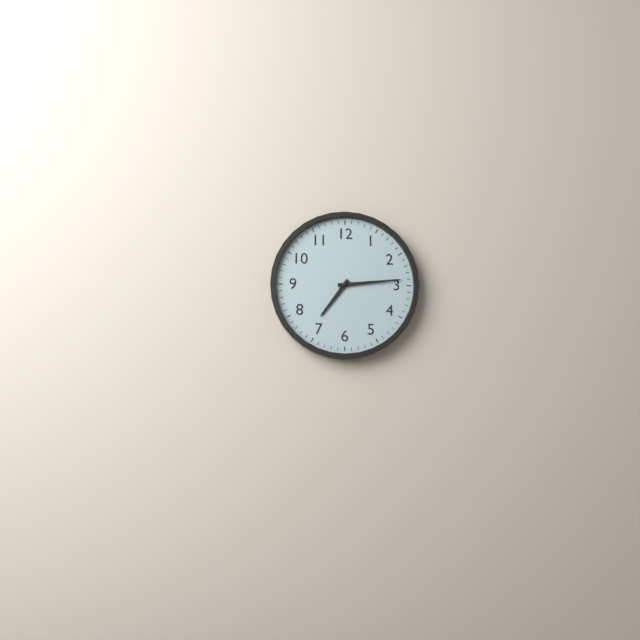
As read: 7h14
